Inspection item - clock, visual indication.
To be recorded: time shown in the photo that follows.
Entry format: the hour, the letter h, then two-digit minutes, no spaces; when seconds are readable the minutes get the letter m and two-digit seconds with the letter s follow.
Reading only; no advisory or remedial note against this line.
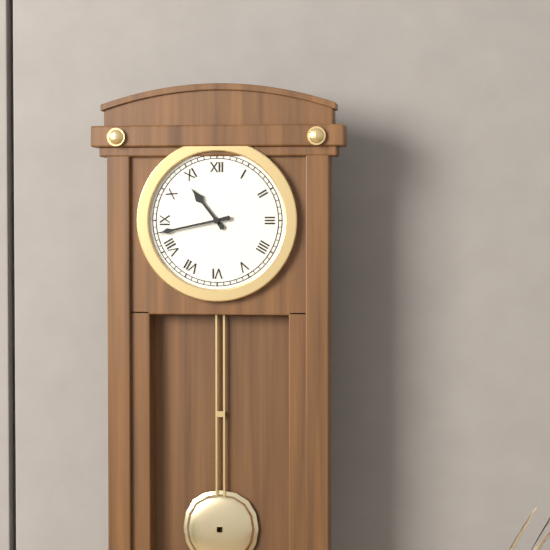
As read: 10h43
